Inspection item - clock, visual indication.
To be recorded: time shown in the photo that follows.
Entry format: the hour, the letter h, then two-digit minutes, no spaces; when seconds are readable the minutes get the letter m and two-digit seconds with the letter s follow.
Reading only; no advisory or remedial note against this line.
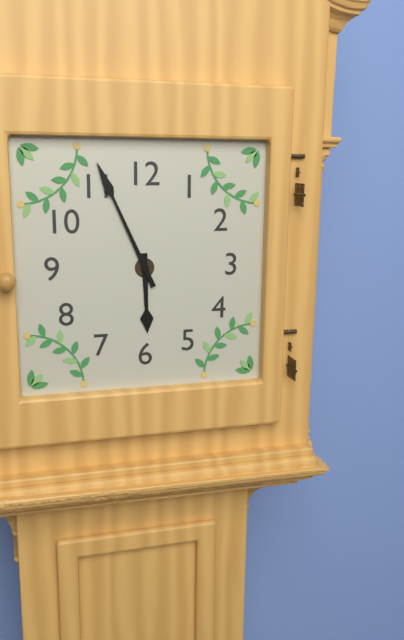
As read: 5h56
